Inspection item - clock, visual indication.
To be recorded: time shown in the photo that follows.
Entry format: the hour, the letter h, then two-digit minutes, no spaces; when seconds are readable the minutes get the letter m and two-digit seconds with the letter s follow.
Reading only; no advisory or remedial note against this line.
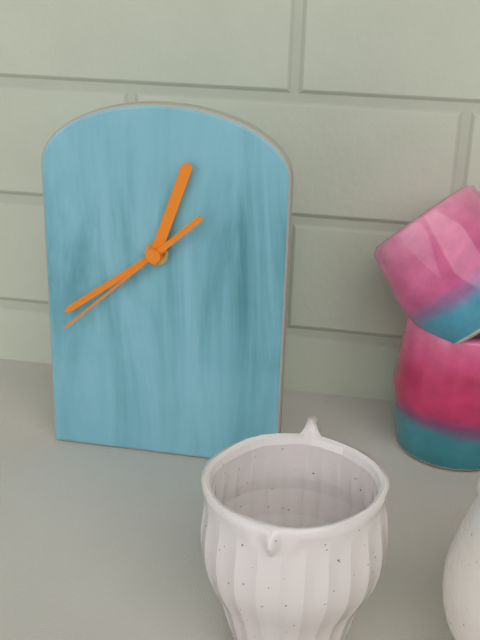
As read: 12h39m38s
